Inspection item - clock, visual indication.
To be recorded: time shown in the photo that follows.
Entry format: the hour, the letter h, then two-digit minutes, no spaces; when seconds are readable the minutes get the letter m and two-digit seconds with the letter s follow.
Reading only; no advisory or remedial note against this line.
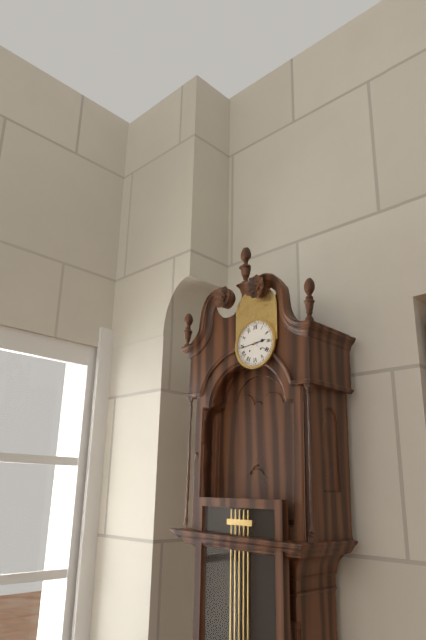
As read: 2h44
